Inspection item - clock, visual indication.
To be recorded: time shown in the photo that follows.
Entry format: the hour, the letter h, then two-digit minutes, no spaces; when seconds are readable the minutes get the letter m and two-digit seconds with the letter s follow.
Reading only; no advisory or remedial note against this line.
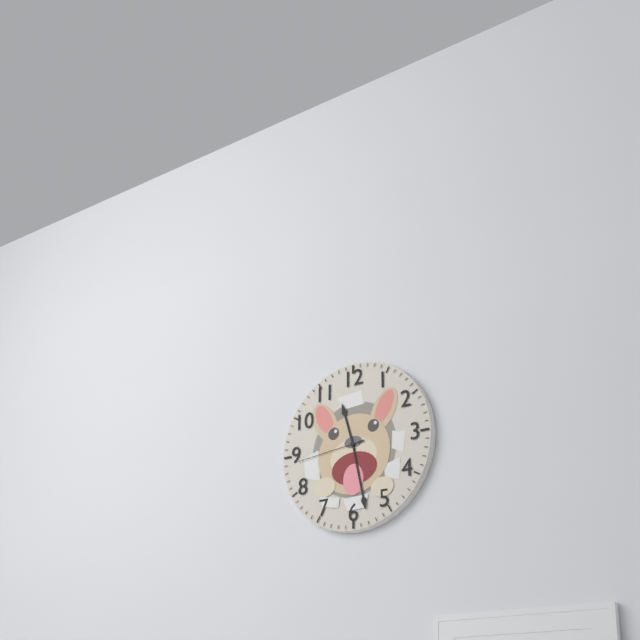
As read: 11h28m44s
